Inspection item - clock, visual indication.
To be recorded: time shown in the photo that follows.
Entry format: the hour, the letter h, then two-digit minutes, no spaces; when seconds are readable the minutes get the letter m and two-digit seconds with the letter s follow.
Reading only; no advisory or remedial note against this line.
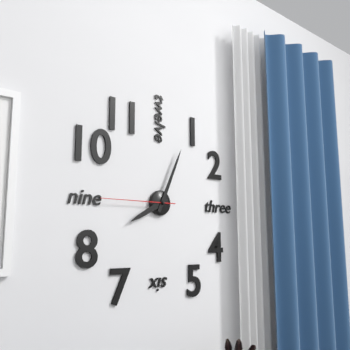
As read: 8h04m45s
